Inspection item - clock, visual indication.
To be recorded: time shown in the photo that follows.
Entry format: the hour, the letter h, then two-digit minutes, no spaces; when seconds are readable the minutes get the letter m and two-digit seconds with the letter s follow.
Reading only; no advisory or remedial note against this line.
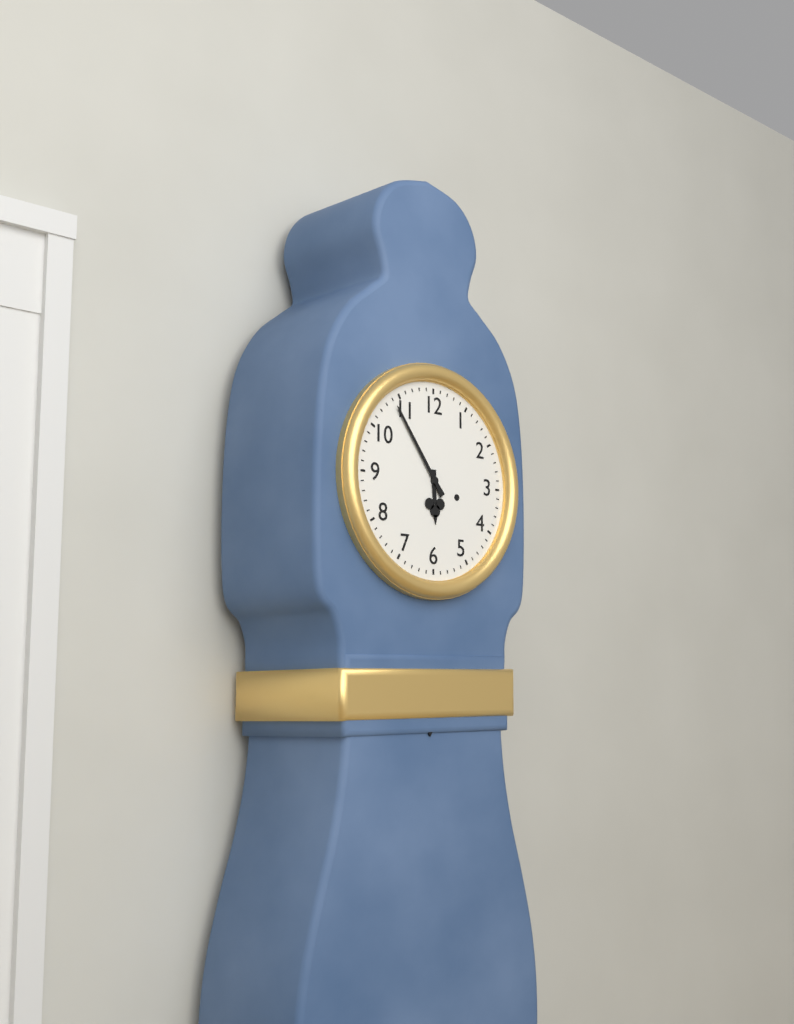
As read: 5h54
